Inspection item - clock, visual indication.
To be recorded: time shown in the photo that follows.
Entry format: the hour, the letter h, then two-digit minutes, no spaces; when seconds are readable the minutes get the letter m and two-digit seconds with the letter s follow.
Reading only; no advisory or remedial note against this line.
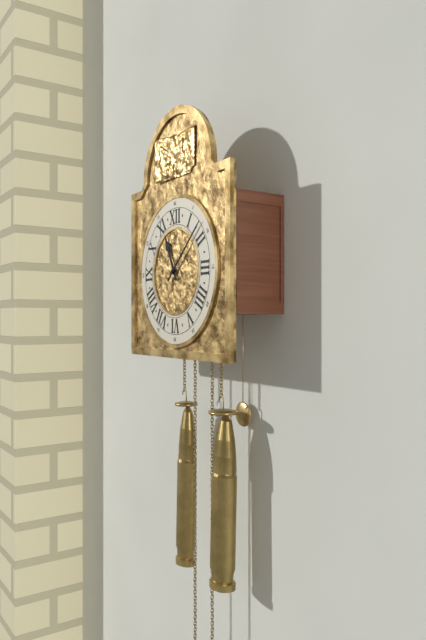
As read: 11h08
